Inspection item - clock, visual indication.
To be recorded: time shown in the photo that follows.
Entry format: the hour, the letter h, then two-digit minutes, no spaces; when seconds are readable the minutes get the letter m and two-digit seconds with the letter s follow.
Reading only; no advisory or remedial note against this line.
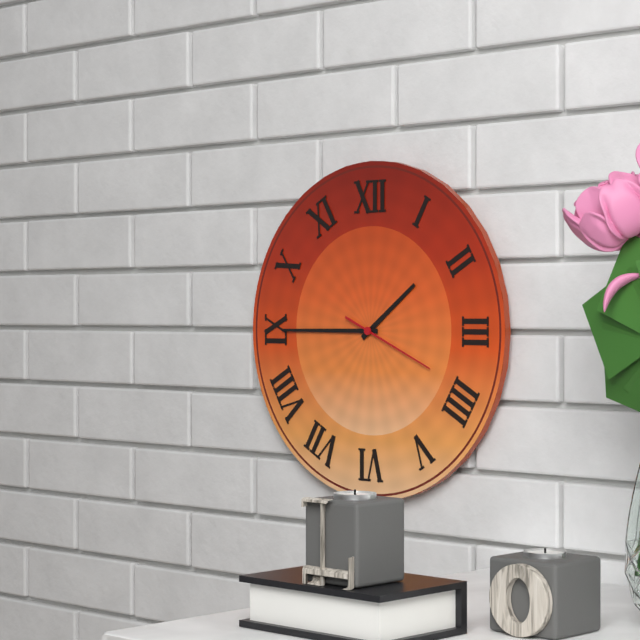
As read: 1h45m19s
